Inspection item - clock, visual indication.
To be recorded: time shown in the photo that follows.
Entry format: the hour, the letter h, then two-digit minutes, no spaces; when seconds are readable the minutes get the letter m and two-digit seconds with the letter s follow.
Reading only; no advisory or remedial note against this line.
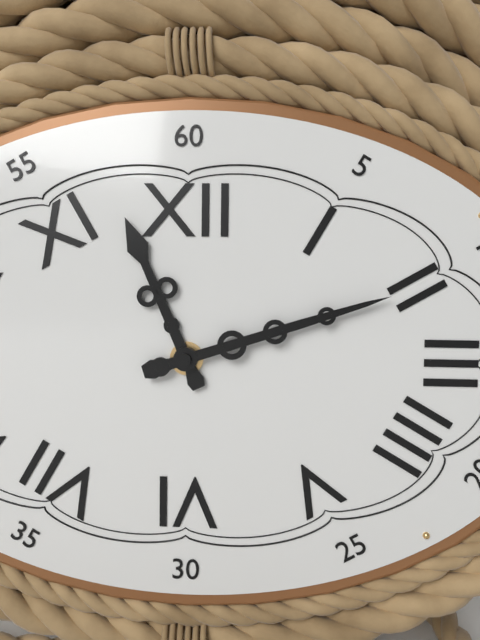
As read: 11h12
